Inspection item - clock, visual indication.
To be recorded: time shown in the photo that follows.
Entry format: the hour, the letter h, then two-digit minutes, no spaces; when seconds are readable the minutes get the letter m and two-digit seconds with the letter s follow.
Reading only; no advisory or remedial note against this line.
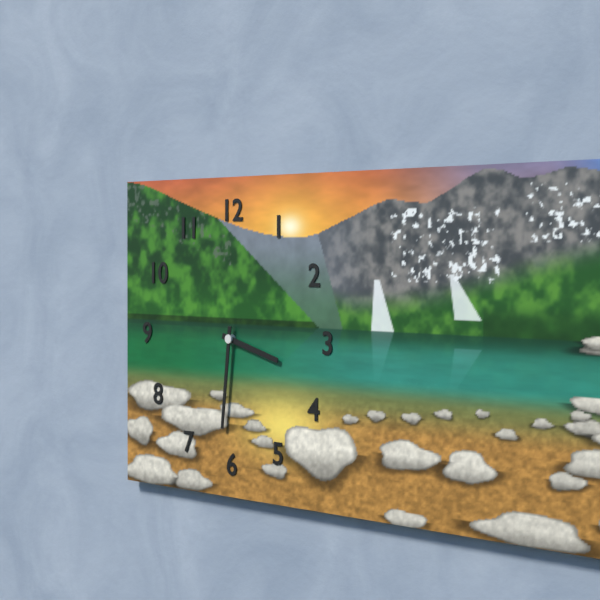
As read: 3h31
